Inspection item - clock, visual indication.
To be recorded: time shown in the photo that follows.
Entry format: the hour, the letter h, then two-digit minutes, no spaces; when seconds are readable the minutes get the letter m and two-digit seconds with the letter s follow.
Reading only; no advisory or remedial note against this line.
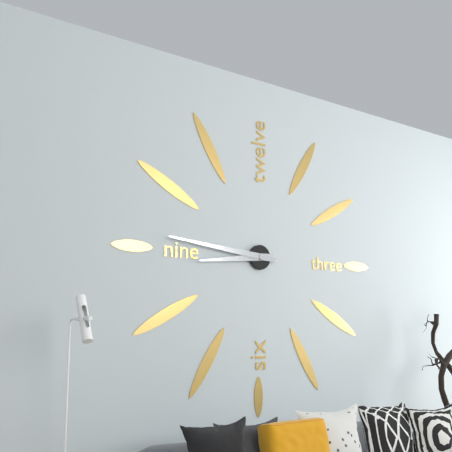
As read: 8h46
